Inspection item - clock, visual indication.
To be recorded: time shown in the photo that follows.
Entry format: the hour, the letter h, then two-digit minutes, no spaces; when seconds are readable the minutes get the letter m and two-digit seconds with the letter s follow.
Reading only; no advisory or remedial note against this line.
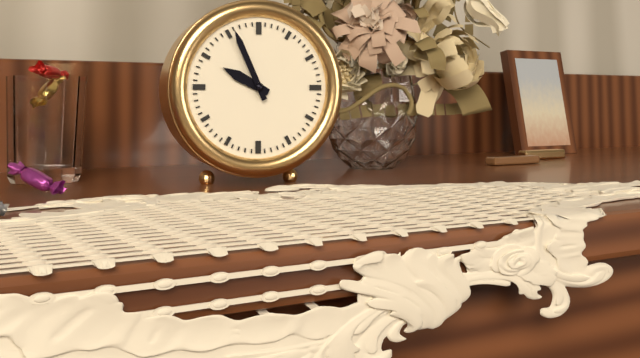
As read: 9h56
